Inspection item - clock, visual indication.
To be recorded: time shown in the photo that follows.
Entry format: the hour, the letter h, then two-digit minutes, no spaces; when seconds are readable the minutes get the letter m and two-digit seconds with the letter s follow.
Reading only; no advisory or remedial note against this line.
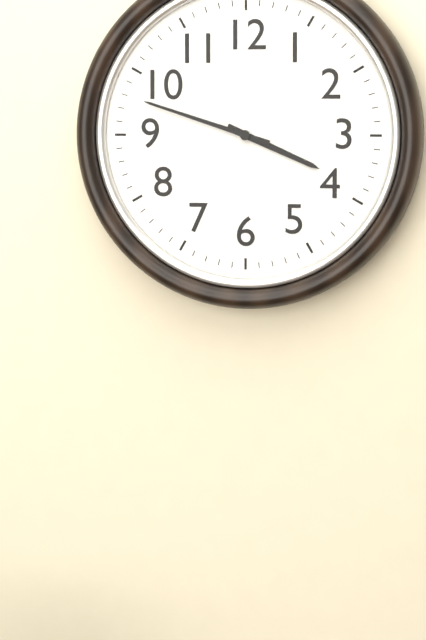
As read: 3h48
